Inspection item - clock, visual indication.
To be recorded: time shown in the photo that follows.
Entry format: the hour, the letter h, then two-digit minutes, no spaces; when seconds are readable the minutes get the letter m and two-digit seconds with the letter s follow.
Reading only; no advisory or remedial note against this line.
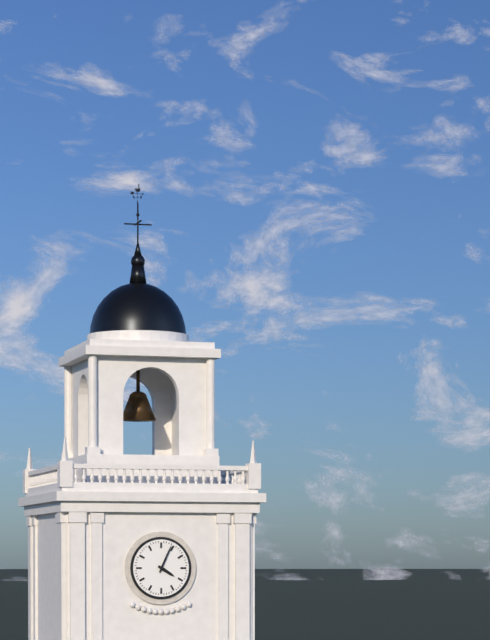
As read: 4h04
